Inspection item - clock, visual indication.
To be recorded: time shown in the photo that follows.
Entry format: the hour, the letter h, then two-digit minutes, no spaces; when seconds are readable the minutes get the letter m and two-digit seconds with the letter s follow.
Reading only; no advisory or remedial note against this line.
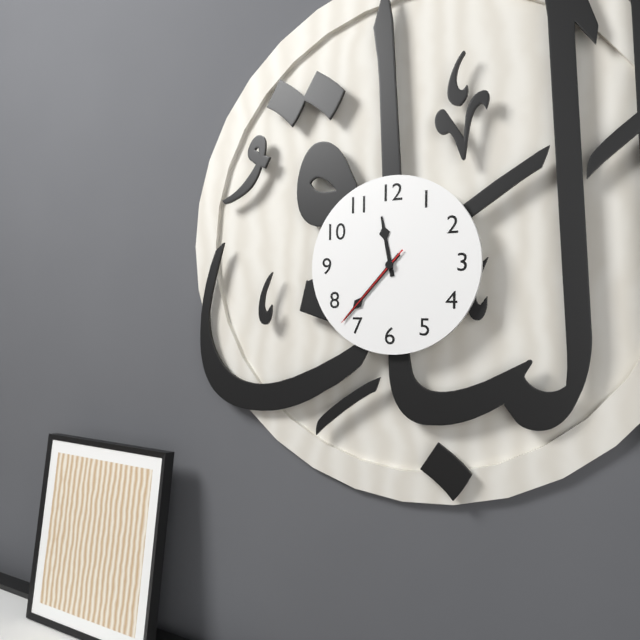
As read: 11h37m37s
